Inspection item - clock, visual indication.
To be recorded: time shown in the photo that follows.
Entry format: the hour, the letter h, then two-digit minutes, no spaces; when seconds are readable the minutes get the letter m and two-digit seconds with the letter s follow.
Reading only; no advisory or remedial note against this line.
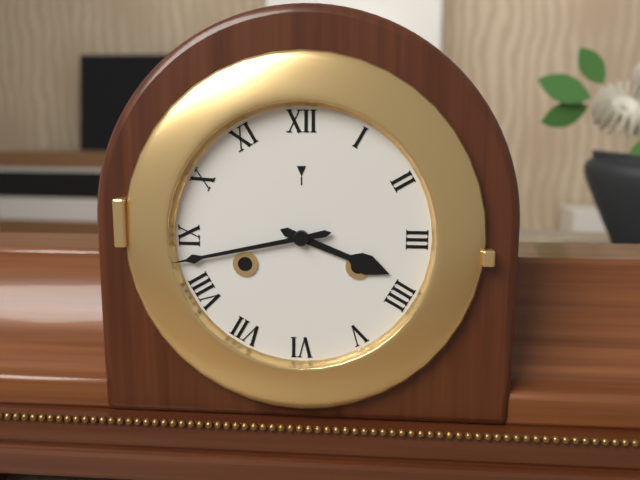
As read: 3h43
